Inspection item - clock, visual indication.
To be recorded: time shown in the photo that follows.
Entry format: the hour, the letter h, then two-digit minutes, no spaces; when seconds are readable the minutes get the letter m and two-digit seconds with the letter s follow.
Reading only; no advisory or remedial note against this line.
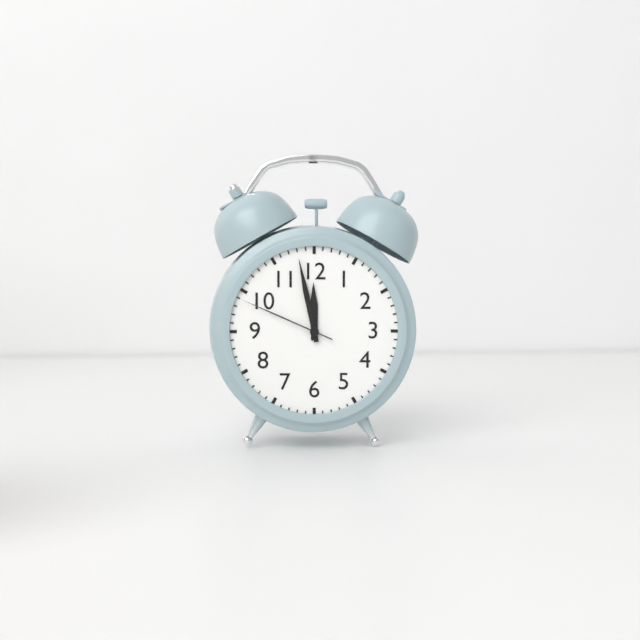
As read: 11h58m49s
